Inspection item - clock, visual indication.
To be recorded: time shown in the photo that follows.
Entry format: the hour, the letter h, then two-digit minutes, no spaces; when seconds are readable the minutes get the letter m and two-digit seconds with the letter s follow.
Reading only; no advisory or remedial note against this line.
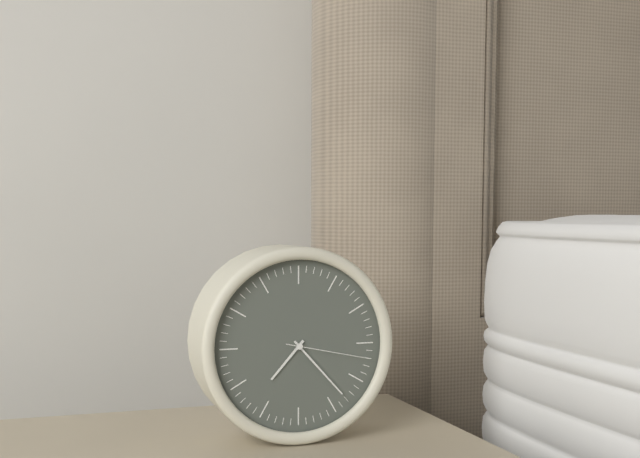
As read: 7h23m17s
